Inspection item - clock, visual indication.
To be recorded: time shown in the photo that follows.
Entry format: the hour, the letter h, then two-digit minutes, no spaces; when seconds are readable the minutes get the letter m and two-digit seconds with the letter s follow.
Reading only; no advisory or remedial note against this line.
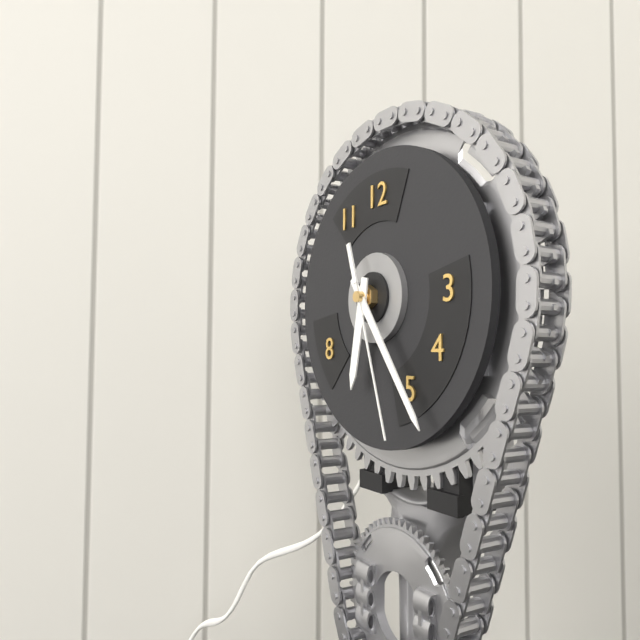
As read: 6h24m27s
